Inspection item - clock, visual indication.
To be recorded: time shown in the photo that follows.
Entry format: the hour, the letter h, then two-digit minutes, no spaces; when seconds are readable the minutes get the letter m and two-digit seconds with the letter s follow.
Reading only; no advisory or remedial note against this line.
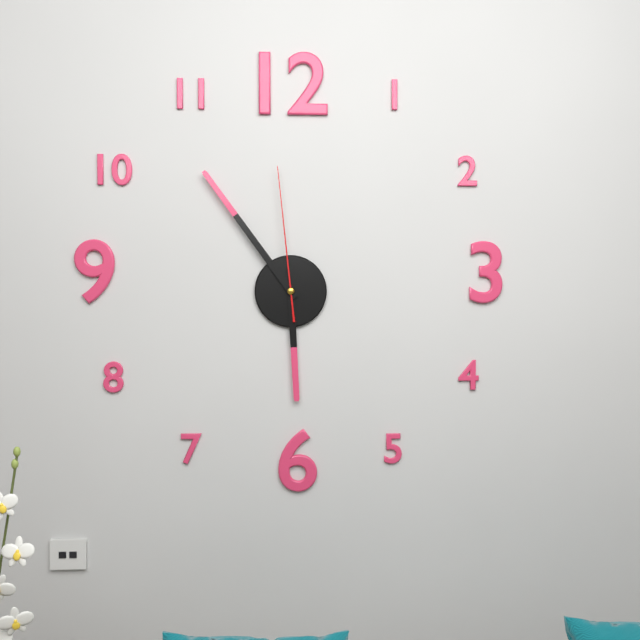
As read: 5h54m59s
